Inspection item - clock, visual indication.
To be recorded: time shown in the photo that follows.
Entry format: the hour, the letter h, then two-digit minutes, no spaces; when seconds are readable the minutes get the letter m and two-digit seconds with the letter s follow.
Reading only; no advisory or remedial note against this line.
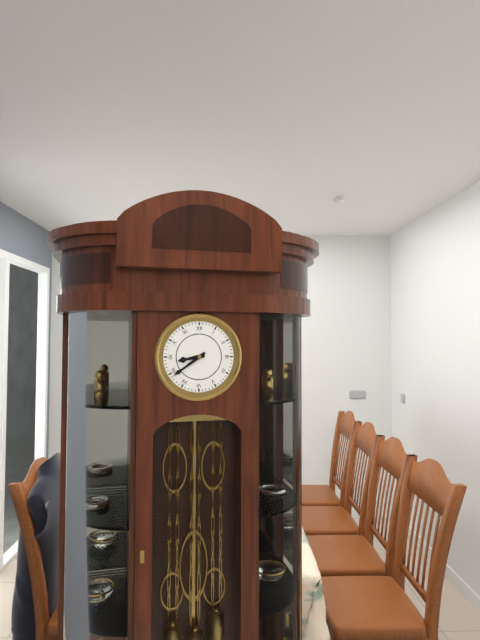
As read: 8h39
